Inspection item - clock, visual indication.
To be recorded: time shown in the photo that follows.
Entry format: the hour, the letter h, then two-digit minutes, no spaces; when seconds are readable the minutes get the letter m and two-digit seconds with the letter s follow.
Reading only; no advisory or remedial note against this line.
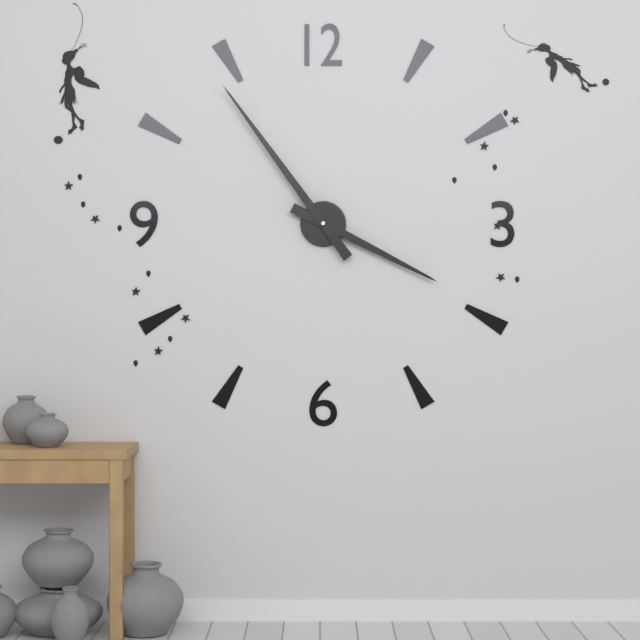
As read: 3h54
